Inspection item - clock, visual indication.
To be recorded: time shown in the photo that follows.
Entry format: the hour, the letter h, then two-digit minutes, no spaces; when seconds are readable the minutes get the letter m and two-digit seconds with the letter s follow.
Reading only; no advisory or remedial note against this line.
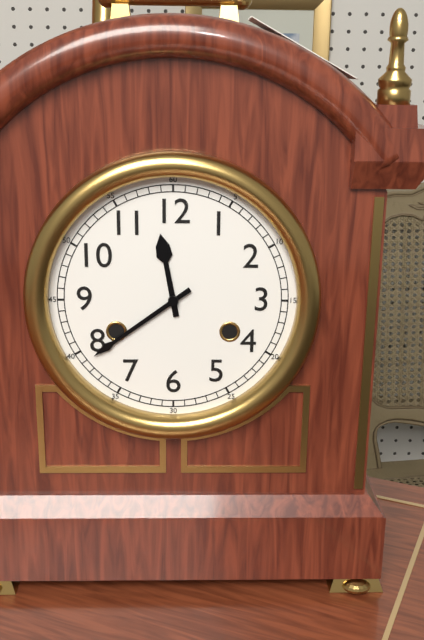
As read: 11h39
